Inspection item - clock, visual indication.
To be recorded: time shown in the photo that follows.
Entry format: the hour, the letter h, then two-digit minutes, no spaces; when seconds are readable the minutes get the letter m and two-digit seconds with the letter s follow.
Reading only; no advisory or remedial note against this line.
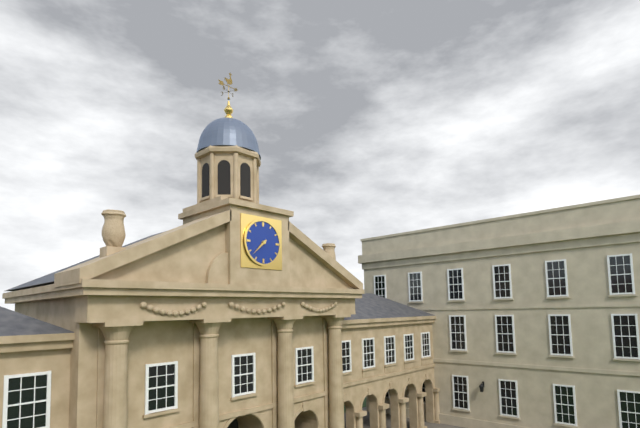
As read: 7h38
